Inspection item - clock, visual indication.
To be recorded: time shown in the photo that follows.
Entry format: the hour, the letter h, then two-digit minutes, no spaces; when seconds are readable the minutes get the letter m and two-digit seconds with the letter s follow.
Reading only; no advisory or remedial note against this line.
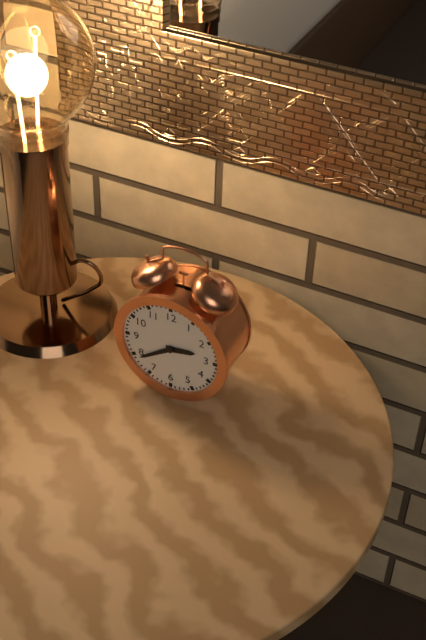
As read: 2h39
